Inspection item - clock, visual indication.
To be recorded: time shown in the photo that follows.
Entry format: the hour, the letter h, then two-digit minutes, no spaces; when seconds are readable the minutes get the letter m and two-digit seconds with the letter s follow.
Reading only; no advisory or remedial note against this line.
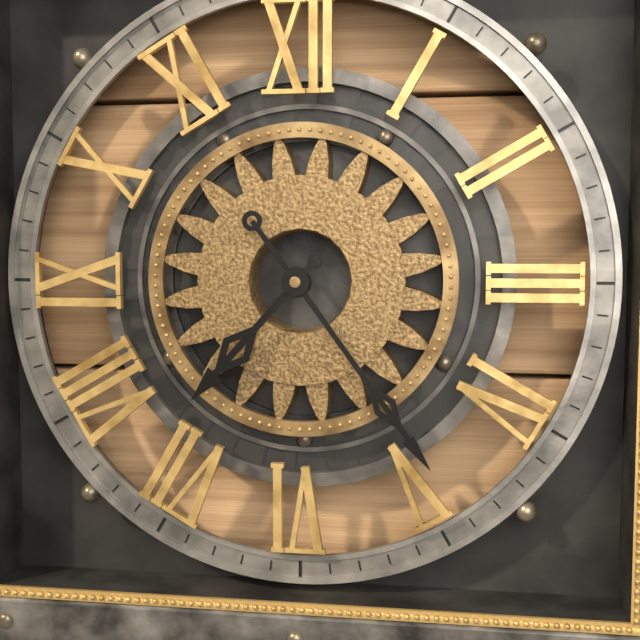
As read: 7h24
